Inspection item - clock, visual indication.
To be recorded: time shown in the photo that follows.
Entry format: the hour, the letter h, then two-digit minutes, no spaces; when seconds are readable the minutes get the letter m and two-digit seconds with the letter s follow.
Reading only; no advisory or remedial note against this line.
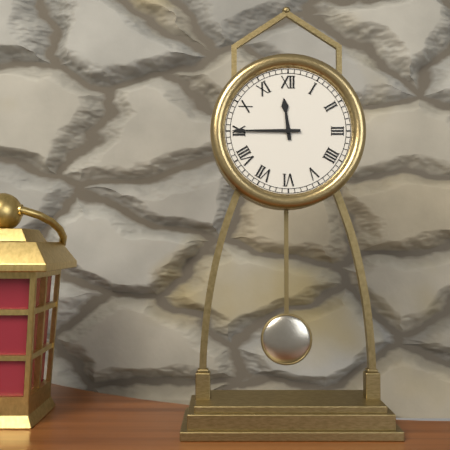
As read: 11h45
